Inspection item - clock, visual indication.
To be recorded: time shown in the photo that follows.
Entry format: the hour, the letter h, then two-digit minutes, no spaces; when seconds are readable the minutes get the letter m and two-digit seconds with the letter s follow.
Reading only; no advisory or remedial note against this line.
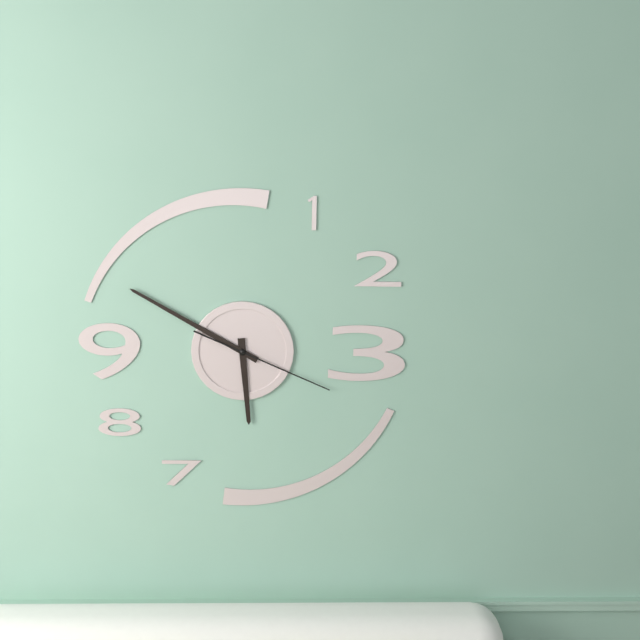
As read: 5h50m19s
